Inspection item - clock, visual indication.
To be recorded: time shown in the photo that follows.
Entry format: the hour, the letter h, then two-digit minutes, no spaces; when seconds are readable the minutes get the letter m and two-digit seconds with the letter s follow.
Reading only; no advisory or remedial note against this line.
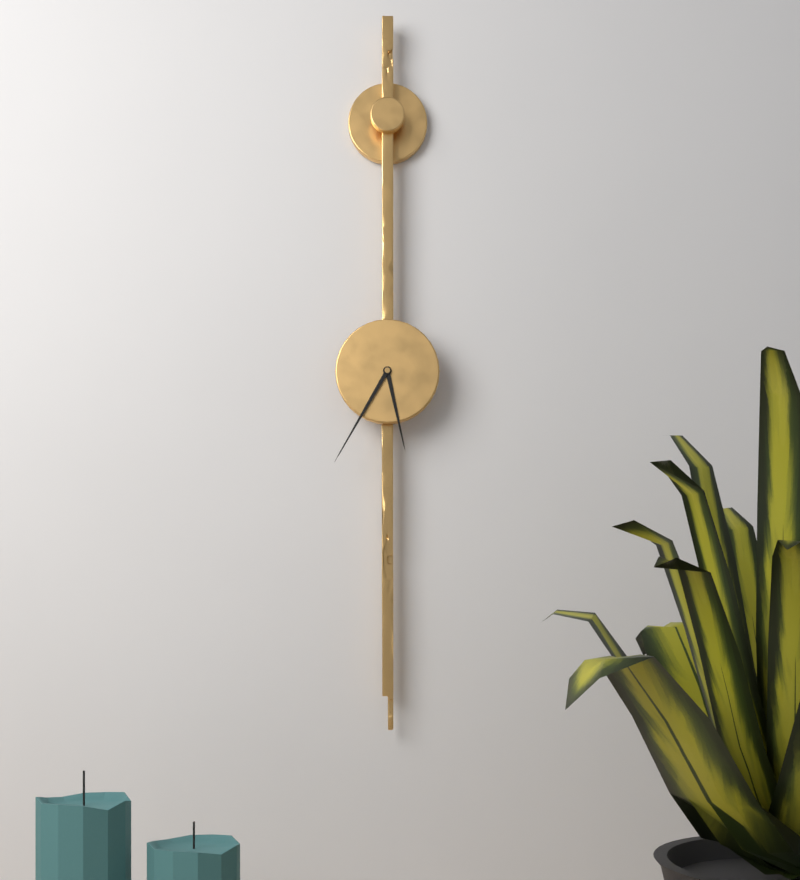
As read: 5h35
